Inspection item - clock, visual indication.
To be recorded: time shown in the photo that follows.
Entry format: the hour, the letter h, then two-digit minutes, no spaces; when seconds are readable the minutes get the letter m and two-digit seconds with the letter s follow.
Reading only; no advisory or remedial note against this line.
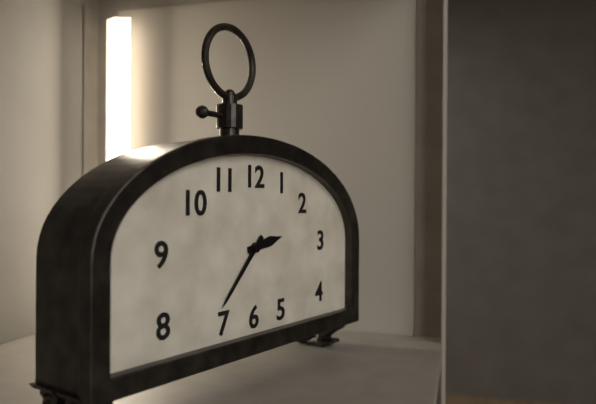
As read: 2h37
